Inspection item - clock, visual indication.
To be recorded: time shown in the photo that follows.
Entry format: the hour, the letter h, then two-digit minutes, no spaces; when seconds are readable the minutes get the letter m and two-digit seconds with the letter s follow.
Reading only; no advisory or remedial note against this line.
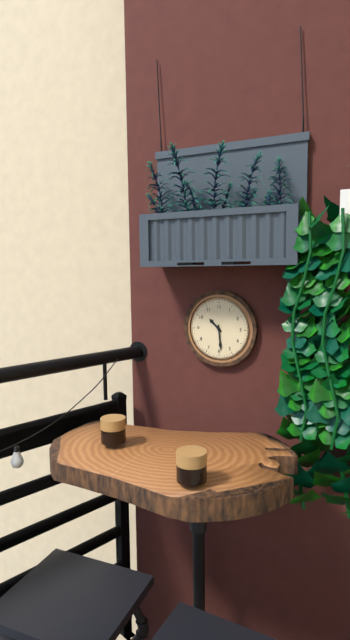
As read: 10h29
